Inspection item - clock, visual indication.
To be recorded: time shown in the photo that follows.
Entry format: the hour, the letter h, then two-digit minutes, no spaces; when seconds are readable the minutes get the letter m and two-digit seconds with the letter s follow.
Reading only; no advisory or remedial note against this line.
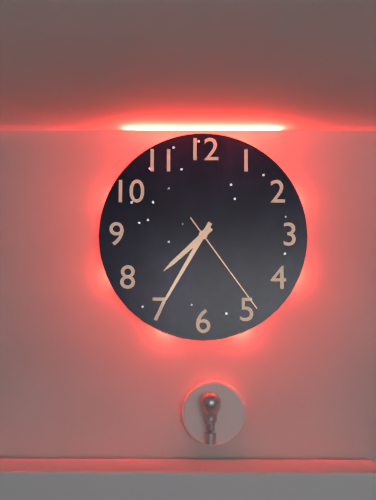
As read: 7h35m24s
